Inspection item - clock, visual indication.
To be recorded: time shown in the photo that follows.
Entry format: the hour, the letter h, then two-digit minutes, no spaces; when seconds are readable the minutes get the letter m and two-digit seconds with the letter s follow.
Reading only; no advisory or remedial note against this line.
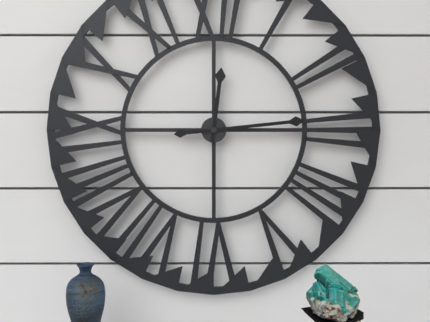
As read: 12h14
